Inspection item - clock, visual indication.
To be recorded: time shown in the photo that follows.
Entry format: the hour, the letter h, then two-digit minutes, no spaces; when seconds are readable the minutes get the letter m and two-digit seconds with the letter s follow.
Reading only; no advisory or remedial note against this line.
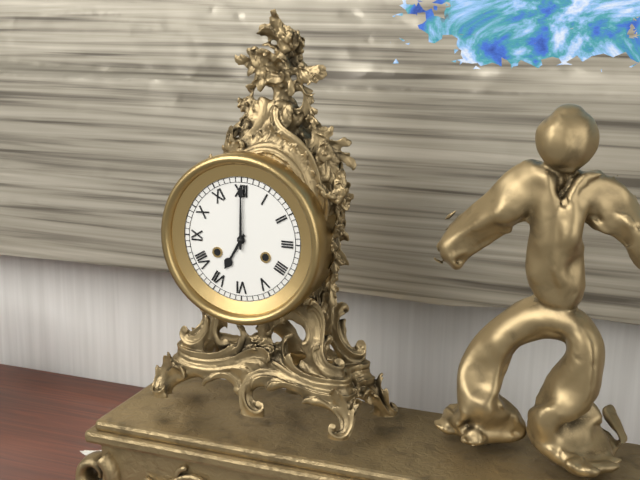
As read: 7h00
